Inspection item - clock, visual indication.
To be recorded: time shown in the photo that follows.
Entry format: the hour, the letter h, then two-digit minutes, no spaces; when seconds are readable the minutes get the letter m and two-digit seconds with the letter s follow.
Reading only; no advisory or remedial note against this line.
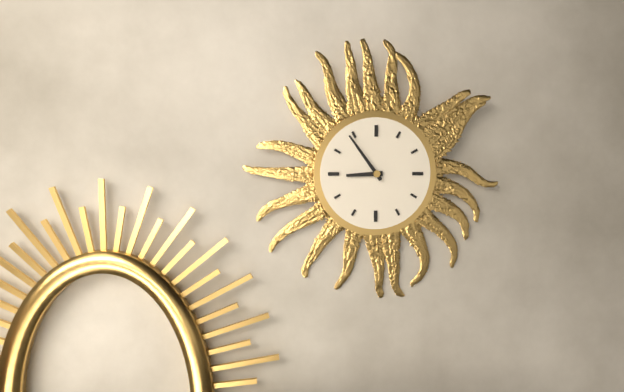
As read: 8h54
